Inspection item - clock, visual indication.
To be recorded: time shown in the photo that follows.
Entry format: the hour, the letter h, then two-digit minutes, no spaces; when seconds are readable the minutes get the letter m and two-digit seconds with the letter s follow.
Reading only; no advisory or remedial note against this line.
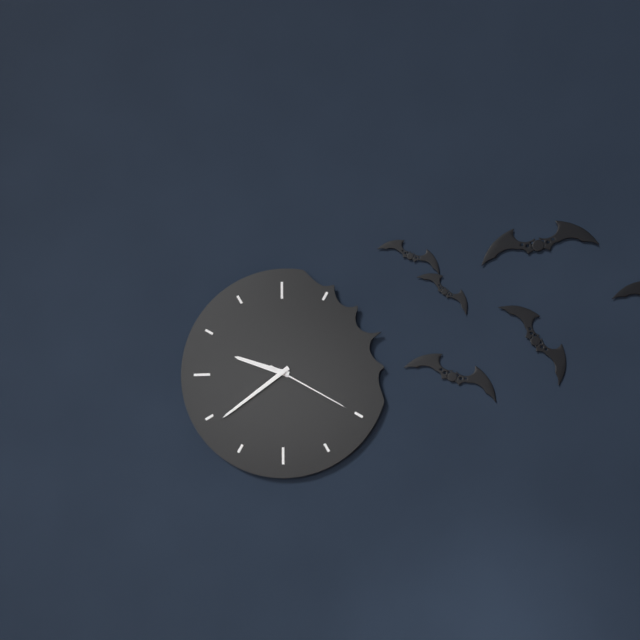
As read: 9h39m20s
